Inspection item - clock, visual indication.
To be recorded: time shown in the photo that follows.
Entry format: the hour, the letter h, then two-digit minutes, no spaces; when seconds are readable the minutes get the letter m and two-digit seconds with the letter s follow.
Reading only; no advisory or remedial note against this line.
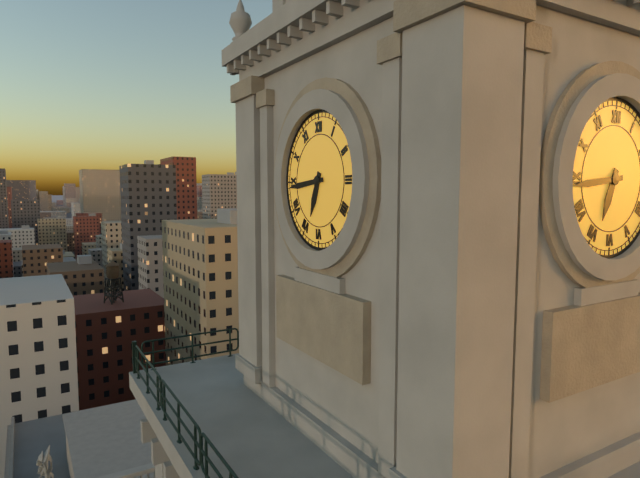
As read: 6h44
